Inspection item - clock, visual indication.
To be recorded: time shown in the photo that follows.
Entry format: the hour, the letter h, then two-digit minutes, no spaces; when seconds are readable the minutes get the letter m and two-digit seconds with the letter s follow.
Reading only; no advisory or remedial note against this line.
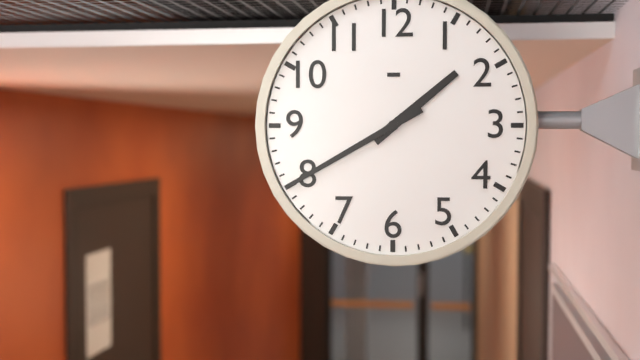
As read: 1h40
